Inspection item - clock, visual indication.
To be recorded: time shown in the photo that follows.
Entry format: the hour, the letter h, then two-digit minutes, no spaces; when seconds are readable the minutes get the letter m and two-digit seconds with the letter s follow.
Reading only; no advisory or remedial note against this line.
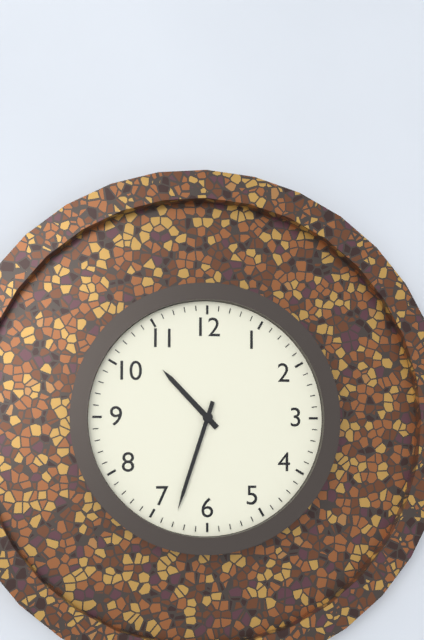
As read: 10h33
